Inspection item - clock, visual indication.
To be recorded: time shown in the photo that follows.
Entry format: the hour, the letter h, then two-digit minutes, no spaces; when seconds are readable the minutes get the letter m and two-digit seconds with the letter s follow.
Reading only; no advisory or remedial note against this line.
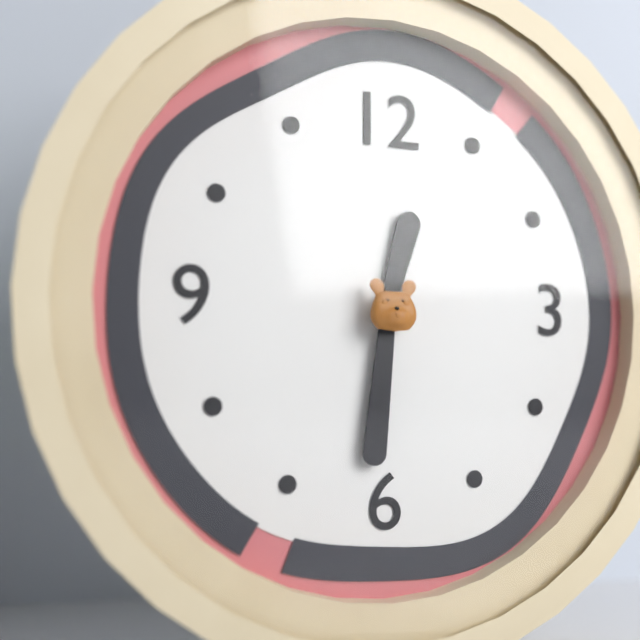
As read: 12h31
